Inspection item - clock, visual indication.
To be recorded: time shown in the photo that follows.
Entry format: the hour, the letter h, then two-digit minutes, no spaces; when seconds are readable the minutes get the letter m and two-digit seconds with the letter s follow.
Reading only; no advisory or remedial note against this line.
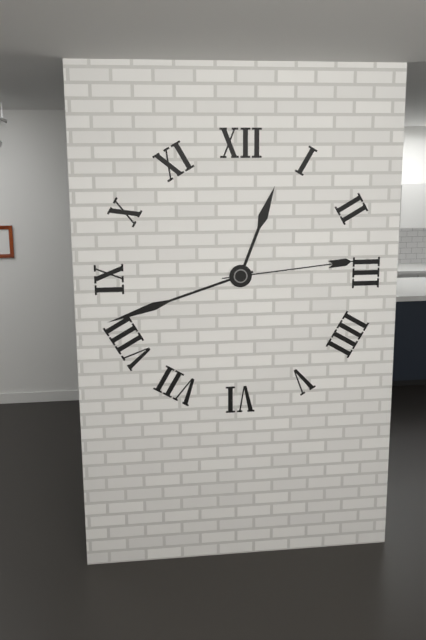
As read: 12h42m14s
